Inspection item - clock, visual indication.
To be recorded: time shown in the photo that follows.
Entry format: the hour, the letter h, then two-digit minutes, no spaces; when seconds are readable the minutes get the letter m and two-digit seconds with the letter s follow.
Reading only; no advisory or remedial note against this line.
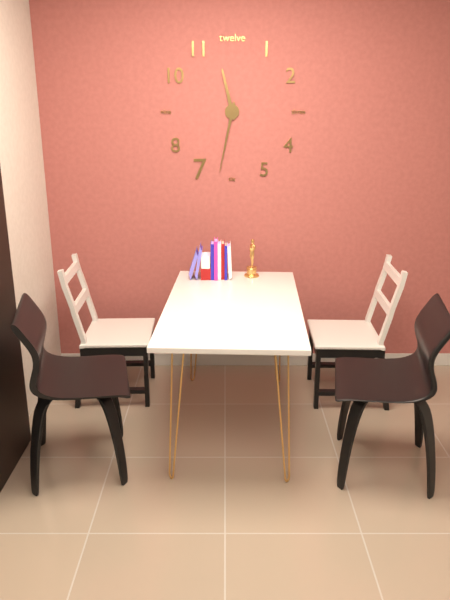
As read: 11h32
